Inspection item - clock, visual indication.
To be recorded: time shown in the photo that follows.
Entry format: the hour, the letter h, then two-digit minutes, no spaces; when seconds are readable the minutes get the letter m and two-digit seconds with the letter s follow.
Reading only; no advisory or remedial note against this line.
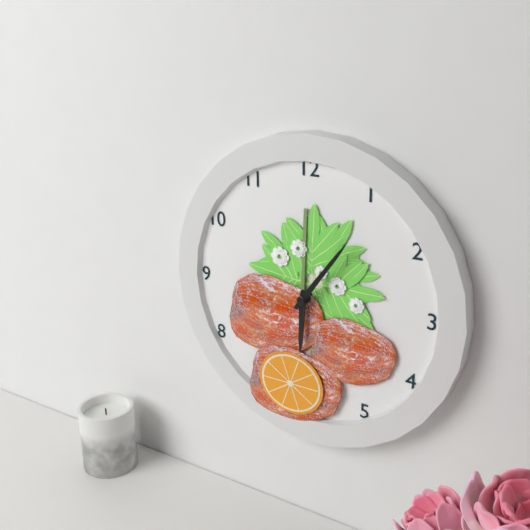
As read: 6h06
